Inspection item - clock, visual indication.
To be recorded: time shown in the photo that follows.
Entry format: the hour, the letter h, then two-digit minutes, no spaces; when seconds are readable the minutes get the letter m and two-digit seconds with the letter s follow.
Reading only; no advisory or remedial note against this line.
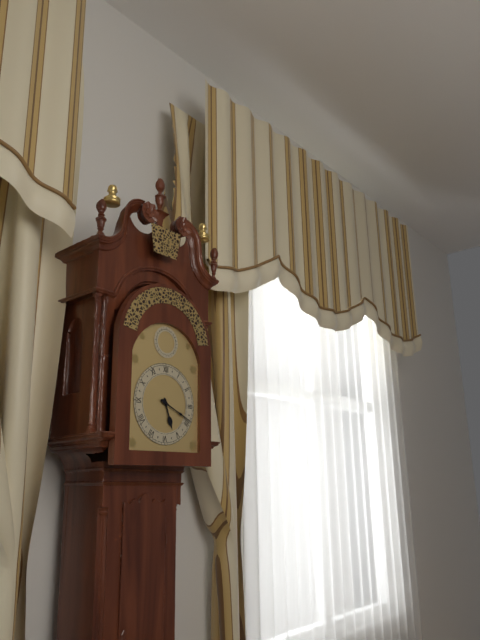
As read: 5h19
